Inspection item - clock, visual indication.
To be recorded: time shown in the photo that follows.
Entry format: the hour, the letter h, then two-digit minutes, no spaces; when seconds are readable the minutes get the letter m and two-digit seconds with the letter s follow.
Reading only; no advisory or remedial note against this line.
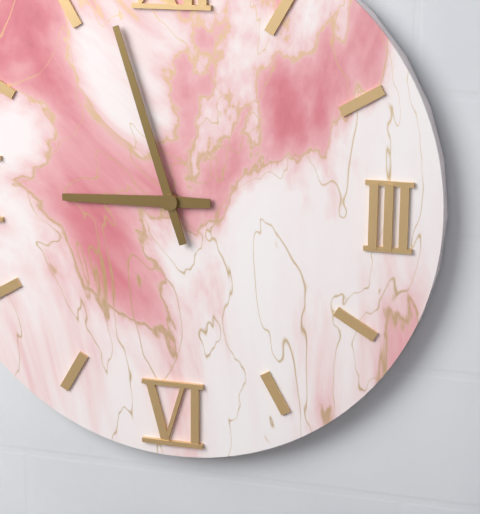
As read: 8h57
